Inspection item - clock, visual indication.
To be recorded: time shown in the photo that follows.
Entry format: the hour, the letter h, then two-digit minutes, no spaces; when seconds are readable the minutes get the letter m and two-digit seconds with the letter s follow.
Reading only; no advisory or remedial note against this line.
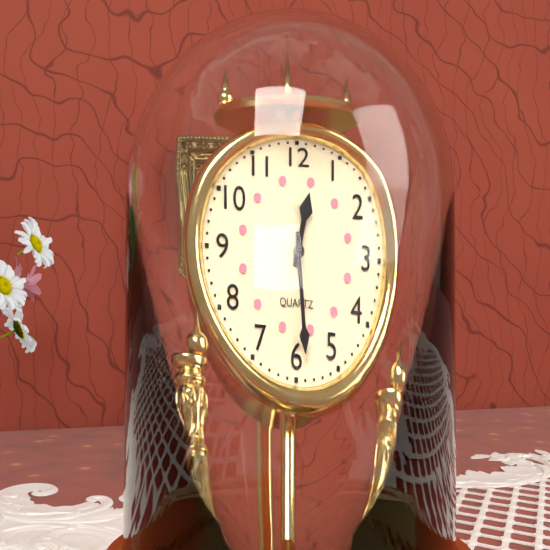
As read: 12h29
